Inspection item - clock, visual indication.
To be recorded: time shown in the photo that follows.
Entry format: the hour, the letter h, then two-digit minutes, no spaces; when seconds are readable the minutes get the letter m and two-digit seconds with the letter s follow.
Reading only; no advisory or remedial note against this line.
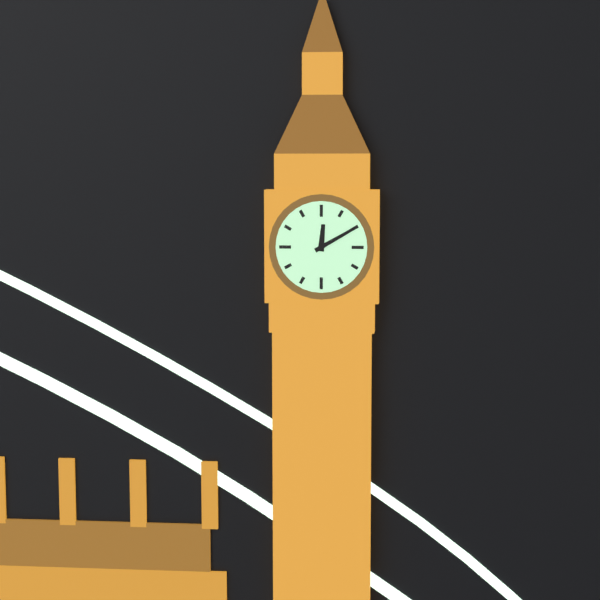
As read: 12h10
